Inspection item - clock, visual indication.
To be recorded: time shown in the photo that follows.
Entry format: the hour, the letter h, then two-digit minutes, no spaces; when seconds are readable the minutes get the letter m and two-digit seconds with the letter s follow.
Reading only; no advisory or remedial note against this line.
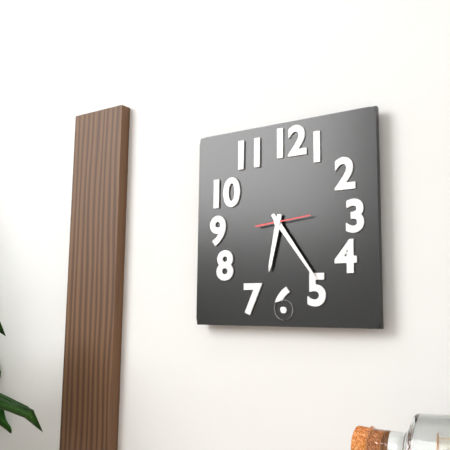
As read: 6h24
